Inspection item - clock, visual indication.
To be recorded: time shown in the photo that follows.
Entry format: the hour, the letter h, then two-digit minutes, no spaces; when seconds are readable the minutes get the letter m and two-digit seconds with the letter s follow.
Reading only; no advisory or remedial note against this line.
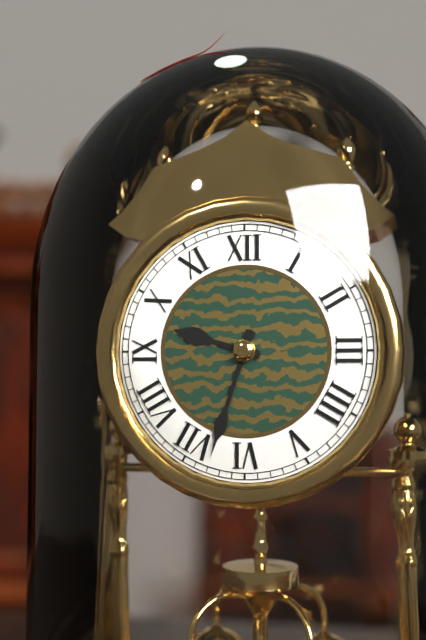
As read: 9h33
